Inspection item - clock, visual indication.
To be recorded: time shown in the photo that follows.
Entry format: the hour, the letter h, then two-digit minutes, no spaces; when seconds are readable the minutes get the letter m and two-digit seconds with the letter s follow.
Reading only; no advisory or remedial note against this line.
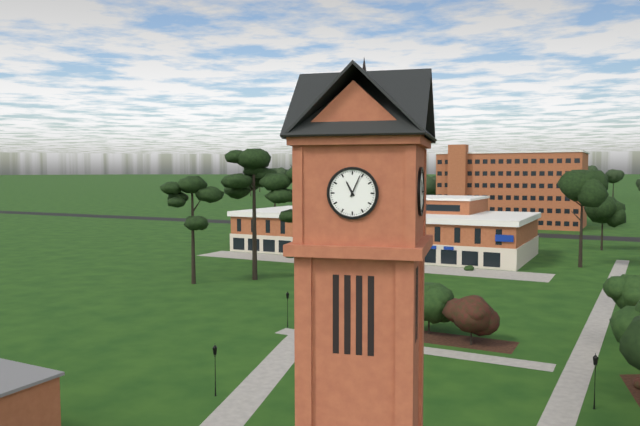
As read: 11h04
